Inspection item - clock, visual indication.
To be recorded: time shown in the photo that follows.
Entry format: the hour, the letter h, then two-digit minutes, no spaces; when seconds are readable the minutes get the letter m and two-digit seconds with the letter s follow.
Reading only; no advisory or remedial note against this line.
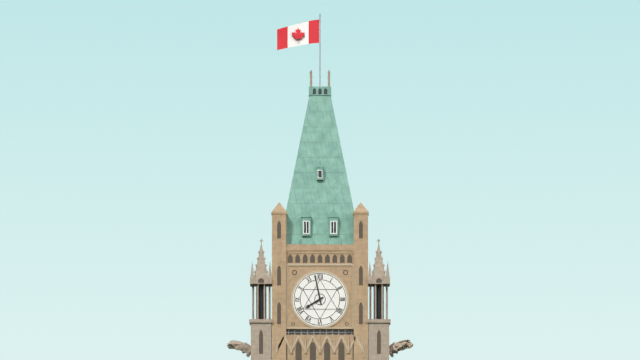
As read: 7h58
